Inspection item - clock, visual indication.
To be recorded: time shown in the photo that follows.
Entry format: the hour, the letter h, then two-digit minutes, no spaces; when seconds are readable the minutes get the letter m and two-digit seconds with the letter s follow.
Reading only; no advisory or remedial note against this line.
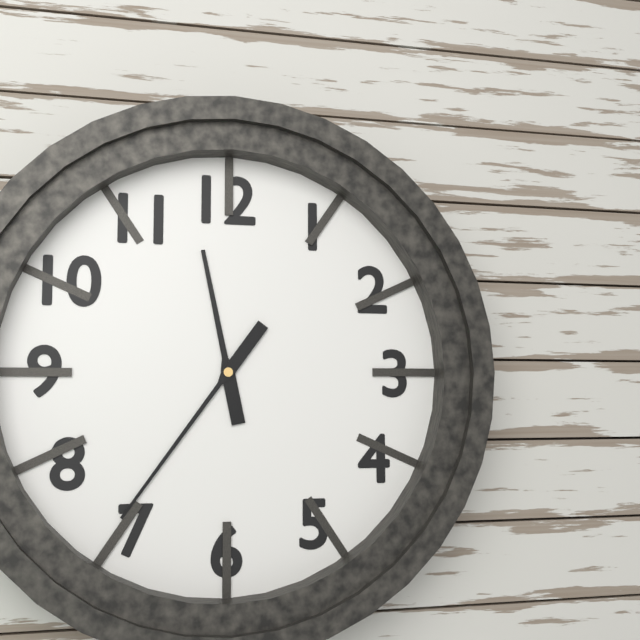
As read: 11h36
